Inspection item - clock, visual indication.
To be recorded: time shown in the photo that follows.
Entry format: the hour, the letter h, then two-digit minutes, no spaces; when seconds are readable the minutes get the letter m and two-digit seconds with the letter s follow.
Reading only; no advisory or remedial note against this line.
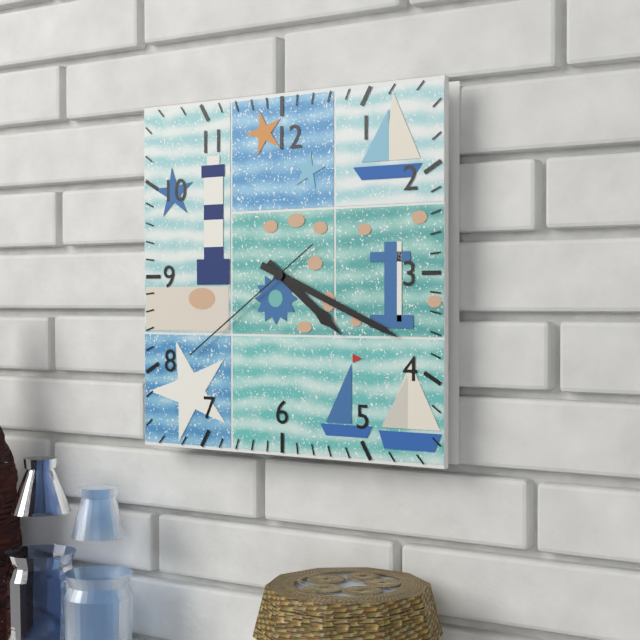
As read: 4h19m39s
